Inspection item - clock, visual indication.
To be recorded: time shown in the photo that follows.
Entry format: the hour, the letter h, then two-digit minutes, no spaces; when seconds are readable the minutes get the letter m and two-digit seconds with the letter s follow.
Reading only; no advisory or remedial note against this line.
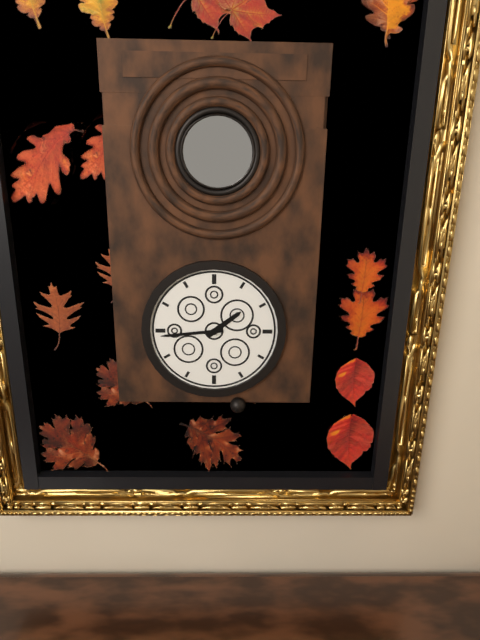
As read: 1h44
